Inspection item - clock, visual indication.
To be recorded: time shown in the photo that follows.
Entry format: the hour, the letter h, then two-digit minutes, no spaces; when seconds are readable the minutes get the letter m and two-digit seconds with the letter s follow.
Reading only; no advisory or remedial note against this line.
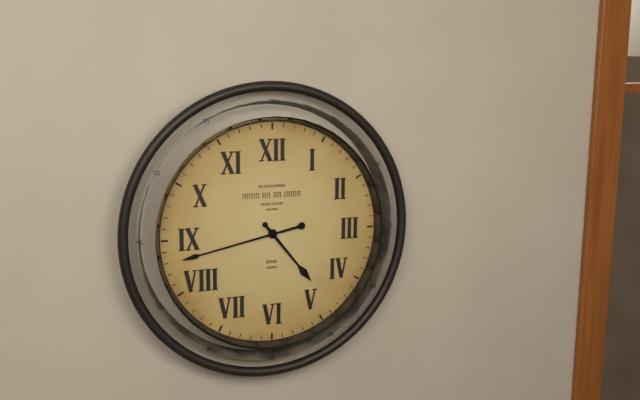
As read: 4h43
